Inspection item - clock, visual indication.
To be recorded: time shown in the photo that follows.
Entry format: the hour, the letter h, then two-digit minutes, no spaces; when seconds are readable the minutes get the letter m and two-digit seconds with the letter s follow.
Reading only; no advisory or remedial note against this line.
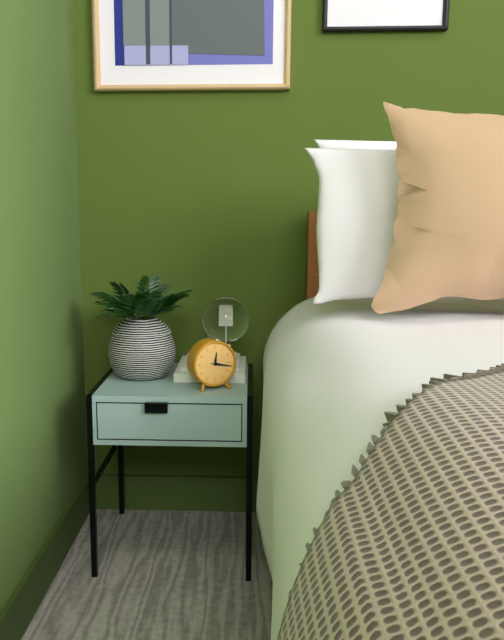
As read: 12h17
